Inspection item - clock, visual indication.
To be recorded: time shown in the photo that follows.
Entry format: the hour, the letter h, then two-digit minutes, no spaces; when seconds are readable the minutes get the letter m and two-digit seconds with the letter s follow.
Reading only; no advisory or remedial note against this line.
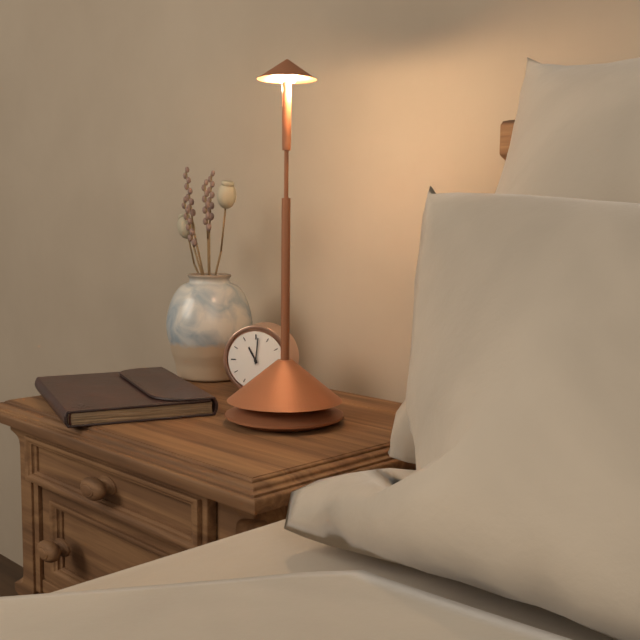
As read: 11h01
